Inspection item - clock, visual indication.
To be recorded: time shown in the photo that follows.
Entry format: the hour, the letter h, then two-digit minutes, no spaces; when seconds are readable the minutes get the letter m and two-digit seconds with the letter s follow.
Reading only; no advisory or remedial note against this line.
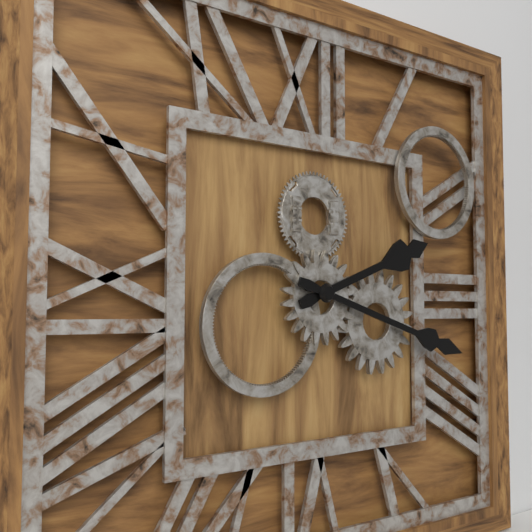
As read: 2h18
